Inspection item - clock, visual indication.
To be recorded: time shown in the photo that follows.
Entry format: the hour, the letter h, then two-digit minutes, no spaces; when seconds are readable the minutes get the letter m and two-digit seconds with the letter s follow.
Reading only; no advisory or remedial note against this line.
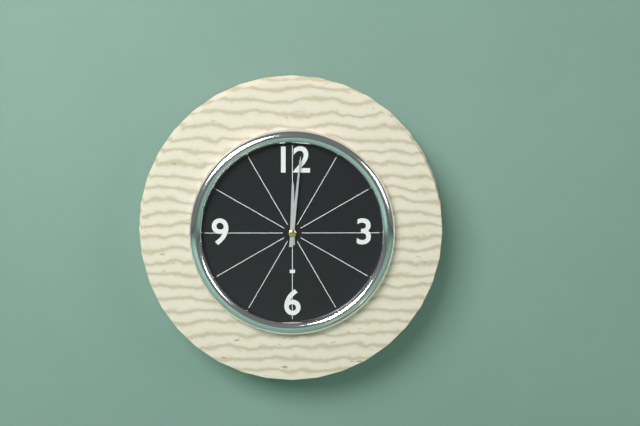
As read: 12h01
